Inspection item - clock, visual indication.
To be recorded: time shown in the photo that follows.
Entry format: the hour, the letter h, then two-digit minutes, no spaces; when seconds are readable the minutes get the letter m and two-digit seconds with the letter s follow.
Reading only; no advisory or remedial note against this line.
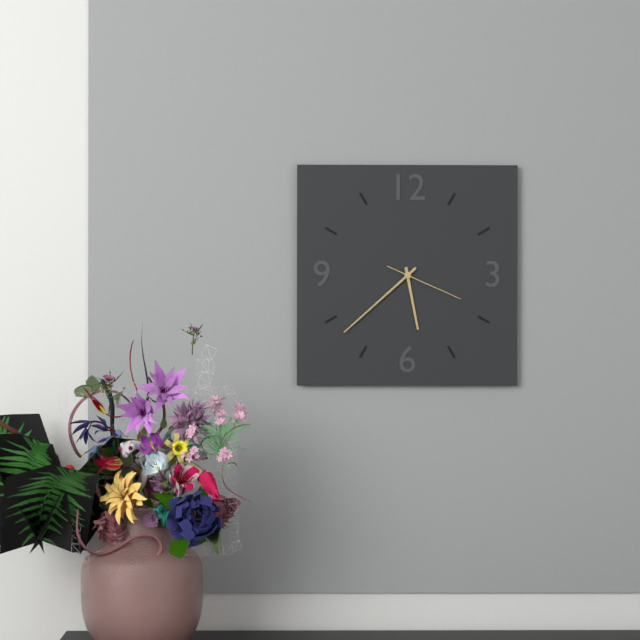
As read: 5h38m19s
